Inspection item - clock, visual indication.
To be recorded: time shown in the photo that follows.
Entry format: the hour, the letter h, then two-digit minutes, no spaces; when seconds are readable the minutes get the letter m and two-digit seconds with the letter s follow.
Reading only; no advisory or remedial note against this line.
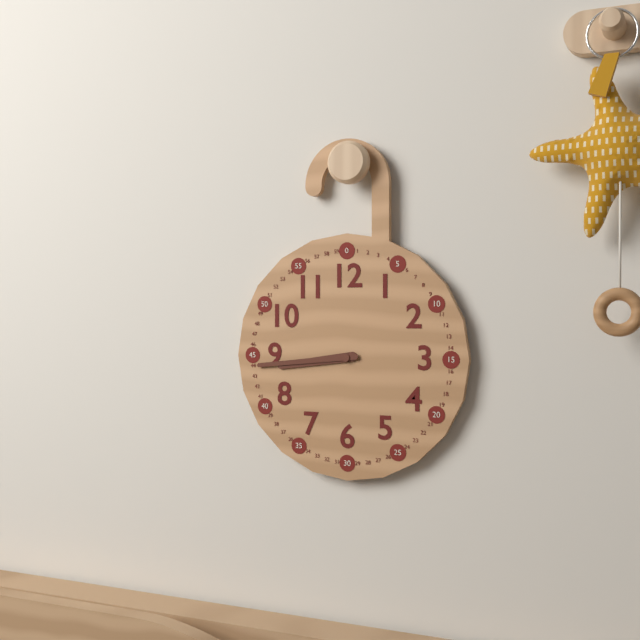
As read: 8h44
